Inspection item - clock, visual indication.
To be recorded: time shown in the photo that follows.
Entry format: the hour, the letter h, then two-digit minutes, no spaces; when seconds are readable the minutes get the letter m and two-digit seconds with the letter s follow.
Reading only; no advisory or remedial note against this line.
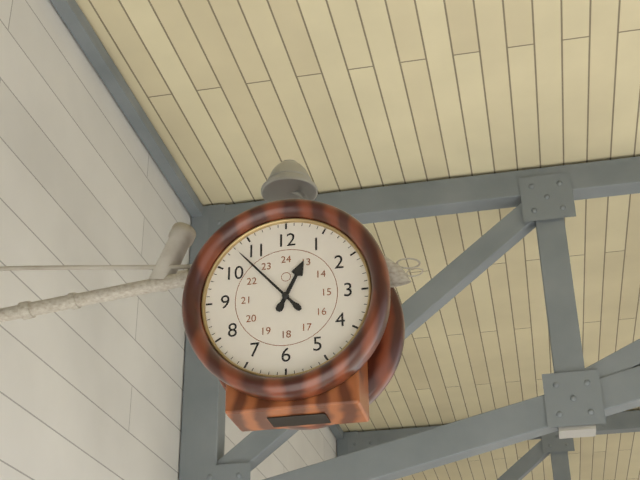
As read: 12h53
